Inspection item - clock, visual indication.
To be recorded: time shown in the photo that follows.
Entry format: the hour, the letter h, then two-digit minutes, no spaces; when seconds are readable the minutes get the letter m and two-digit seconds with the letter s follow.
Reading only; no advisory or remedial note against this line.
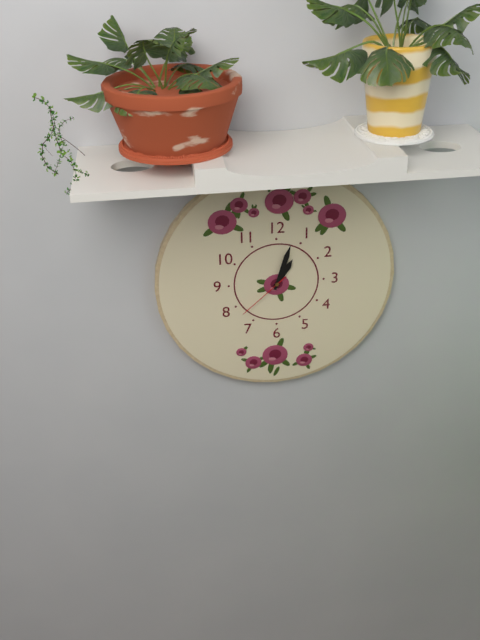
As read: 1h03m38s
